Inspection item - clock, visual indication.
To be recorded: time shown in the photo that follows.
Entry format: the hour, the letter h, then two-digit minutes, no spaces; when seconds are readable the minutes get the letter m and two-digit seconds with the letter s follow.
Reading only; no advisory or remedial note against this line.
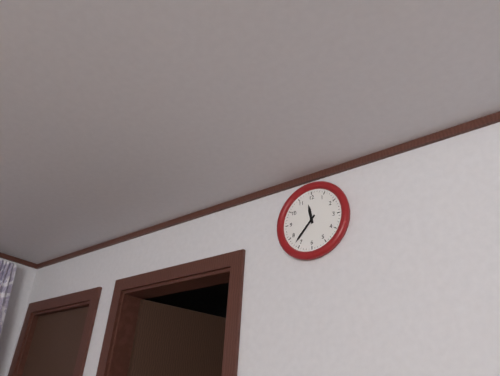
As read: 11h37
